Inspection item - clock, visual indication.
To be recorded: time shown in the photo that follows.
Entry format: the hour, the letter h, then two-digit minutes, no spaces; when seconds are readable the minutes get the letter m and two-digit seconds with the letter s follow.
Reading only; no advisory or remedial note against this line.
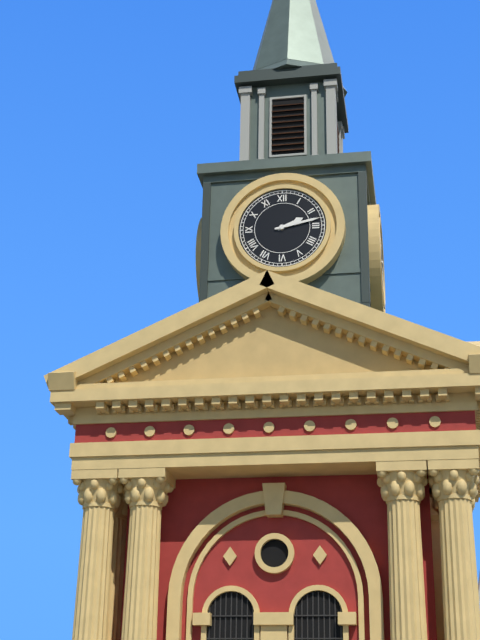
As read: 2h13
